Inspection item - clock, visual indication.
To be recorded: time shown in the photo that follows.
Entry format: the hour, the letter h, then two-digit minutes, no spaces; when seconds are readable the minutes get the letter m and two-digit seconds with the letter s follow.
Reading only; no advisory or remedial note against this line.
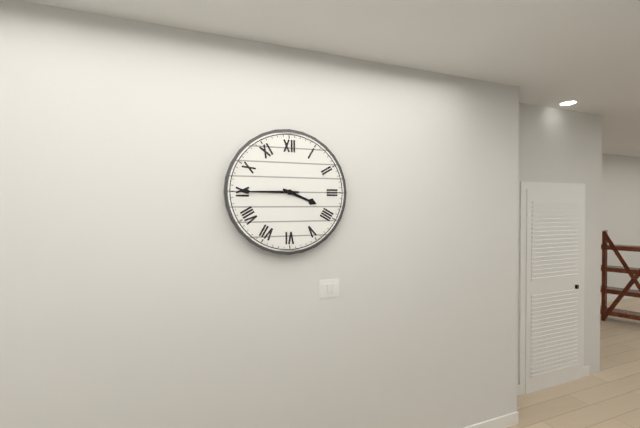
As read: 3h45
